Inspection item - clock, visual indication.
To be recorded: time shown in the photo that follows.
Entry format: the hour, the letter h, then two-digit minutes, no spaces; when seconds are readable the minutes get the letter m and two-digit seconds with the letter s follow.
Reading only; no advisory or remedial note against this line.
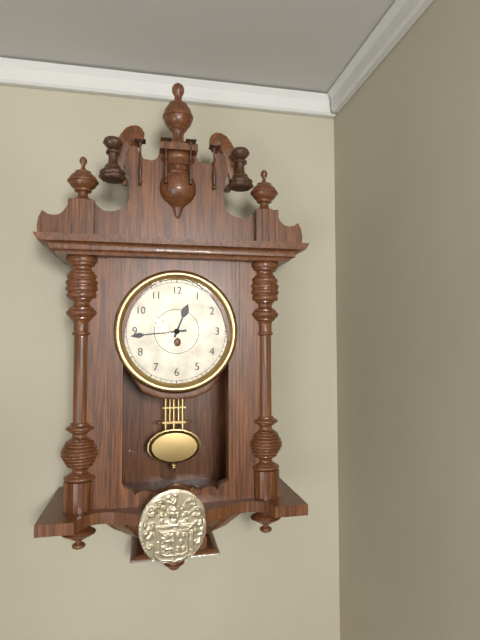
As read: 12h44
